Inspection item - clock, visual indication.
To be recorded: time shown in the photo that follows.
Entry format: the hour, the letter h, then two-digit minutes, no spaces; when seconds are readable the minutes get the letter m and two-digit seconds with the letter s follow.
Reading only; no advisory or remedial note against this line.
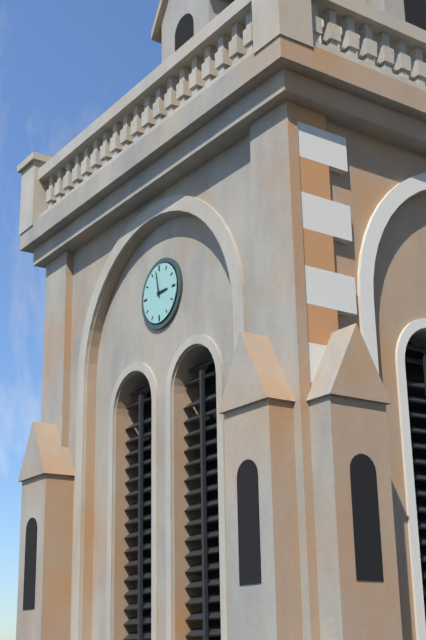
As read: 2h58
